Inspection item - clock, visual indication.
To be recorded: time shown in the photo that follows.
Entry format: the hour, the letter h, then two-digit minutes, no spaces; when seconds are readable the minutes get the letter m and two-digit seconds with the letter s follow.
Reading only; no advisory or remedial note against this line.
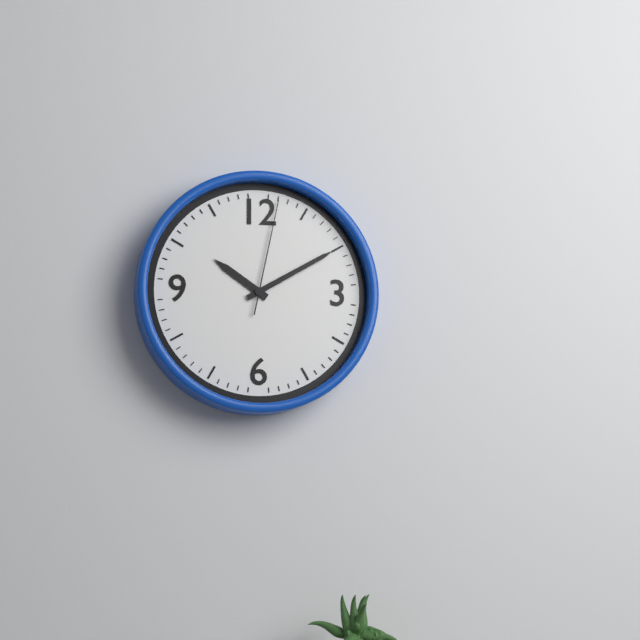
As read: 10h10m02s
